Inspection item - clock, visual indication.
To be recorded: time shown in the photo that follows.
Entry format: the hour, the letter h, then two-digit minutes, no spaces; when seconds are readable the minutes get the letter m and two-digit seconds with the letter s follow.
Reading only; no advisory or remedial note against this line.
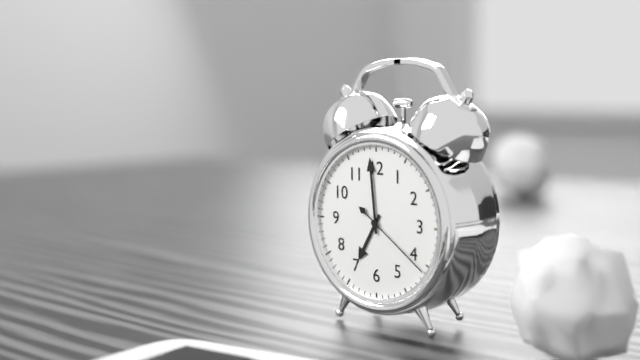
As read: 6h59m21s
